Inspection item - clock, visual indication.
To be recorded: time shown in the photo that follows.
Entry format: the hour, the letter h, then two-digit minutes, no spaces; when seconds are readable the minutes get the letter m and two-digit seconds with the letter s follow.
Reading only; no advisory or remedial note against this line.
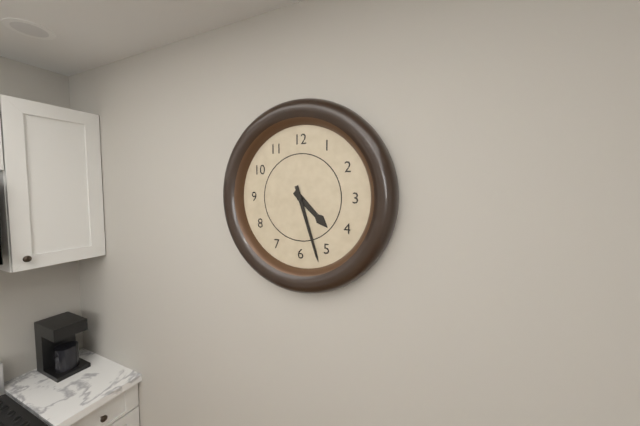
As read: 4h27
